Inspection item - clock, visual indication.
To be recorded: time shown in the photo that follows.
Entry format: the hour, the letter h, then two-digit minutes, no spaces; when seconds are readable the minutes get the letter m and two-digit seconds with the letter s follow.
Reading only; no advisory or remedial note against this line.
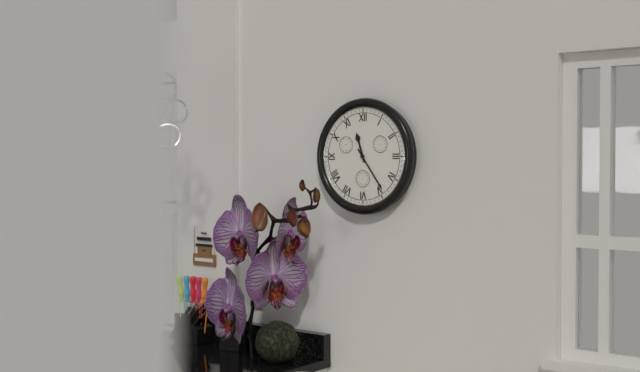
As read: 11h24
